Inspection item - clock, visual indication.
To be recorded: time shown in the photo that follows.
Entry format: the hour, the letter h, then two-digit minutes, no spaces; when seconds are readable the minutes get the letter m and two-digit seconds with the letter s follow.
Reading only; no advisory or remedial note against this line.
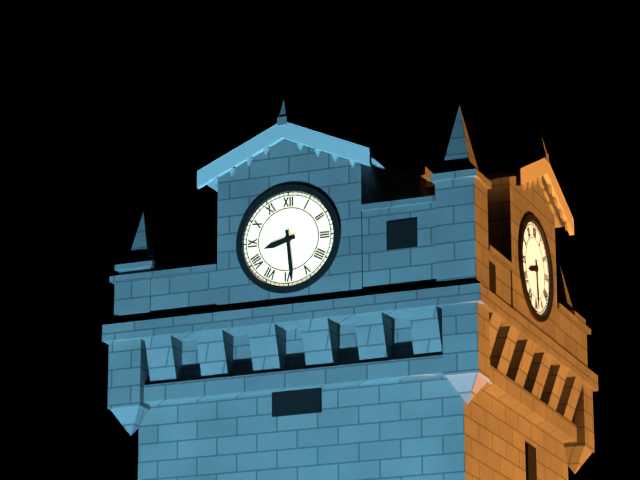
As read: 8h29
